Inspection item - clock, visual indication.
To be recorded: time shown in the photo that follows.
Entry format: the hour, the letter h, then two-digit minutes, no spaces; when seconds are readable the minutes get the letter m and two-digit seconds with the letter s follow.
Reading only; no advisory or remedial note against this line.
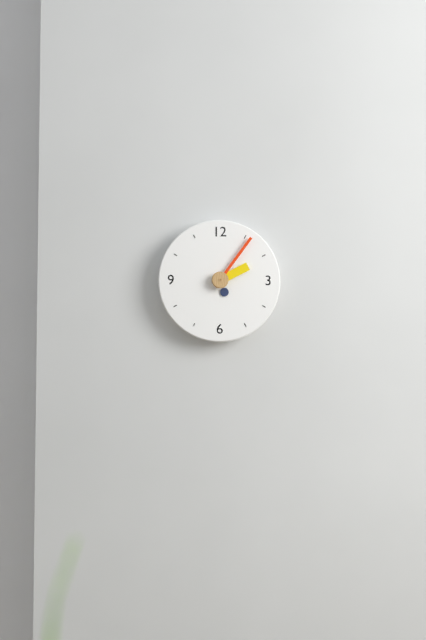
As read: 2h06
